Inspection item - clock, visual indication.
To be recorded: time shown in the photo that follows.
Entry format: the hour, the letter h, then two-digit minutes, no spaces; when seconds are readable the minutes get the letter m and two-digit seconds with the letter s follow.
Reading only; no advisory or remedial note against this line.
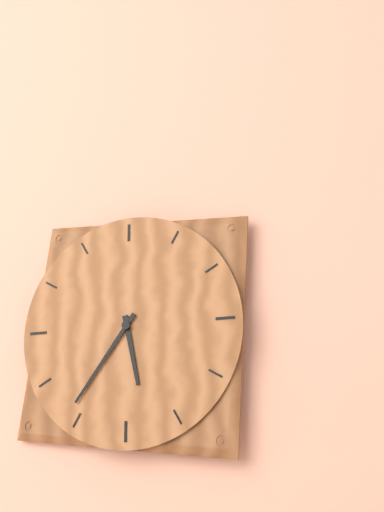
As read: 5h36
